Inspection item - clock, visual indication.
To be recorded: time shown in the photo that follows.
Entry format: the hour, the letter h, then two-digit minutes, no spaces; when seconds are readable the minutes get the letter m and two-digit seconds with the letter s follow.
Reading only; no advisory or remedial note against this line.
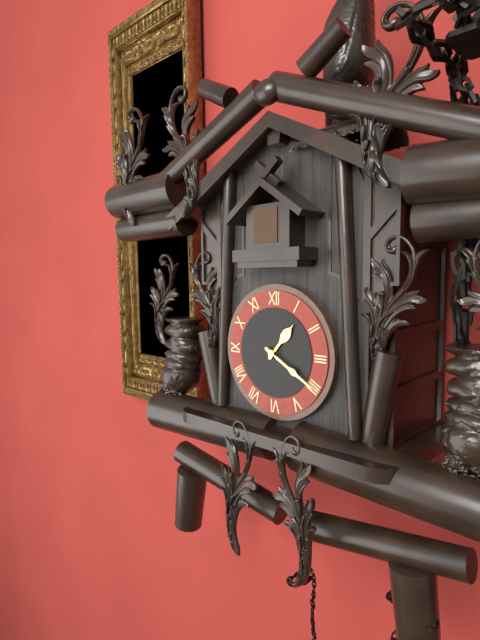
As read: 1h20
